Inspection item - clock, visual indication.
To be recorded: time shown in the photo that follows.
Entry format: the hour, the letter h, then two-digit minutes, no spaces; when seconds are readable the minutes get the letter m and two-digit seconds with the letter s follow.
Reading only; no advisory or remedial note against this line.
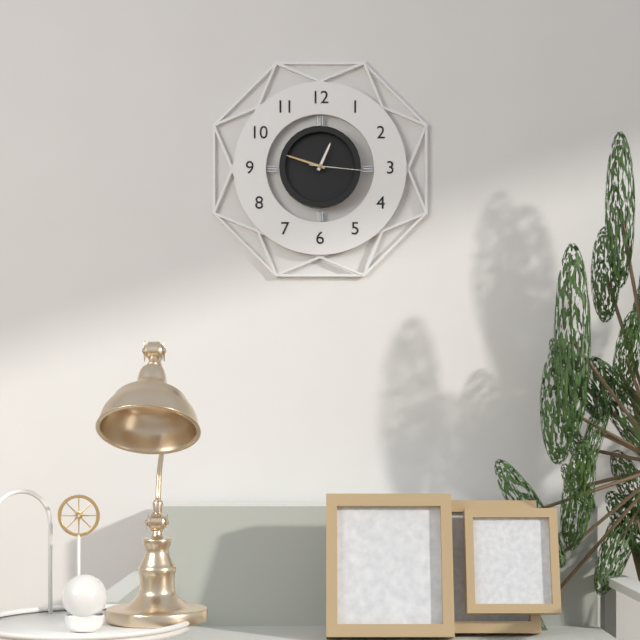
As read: 12h48m16s
